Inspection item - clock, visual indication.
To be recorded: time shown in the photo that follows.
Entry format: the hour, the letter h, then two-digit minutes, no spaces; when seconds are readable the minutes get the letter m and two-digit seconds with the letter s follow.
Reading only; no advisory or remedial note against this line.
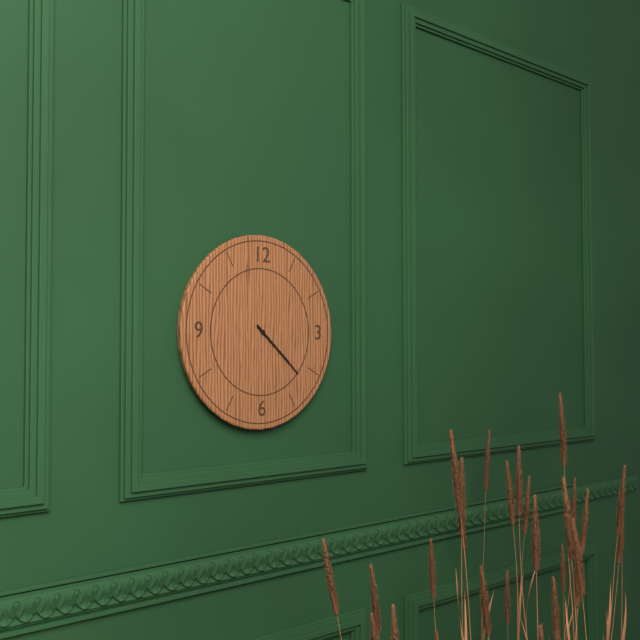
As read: 4h22
